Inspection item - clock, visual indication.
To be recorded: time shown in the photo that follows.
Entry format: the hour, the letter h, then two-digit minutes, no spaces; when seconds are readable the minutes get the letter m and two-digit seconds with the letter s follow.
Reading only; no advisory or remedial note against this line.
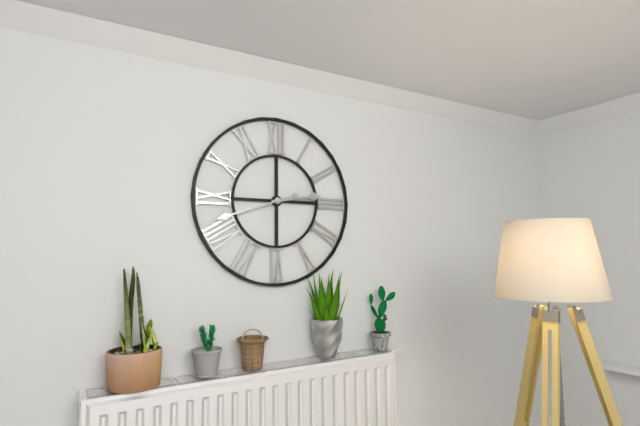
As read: 2h42
